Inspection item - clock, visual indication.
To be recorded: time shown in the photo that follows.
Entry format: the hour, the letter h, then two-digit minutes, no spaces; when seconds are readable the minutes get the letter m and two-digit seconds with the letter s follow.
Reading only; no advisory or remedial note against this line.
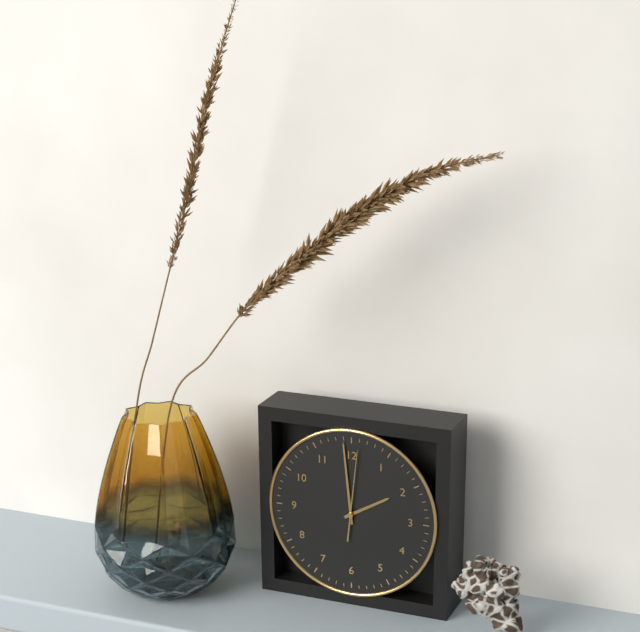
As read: 1h59m01s
